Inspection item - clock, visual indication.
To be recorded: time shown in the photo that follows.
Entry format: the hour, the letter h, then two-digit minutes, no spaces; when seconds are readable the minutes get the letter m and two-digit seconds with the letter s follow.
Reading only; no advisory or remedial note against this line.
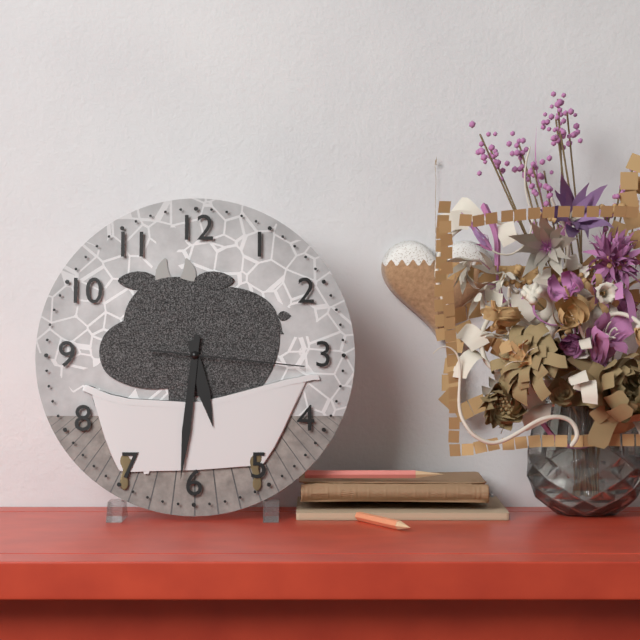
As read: 5h31m16s
